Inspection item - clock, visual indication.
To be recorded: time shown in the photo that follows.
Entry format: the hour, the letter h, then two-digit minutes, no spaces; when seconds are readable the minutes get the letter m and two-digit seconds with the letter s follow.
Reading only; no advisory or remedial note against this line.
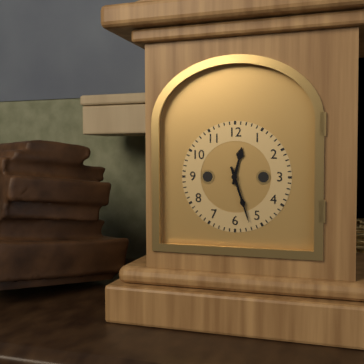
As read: 12h27
